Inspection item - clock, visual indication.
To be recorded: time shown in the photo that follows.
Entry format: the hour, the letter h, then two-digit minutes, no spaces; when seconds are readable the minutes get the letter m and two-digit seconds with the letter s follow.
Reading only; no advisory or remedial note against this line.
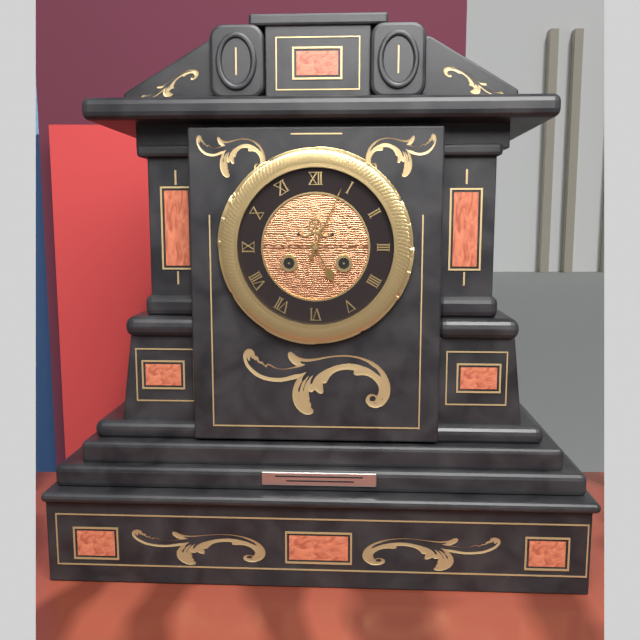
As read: 5h04
